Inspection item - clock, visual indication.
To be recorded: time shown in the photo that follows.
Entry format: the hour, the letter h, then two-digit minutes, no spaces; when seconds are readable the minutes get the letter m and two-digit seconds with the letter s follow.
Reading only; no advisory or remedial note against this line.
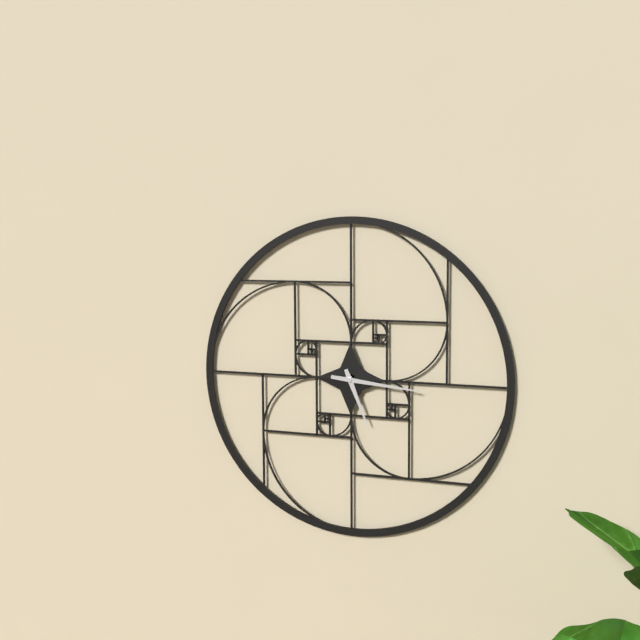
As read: 5h16
